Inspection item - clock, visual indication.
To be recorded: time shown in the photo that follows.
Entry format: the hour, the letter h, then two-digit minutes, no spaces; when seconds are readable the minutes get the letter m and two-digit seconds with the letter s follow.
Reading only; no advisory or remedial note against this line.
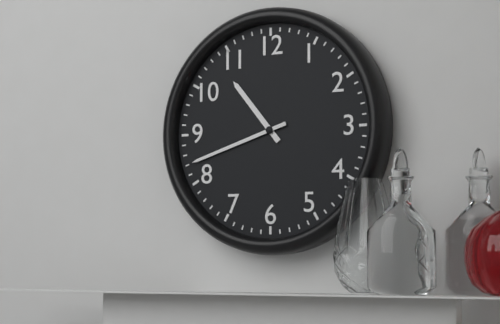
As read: 10h42
